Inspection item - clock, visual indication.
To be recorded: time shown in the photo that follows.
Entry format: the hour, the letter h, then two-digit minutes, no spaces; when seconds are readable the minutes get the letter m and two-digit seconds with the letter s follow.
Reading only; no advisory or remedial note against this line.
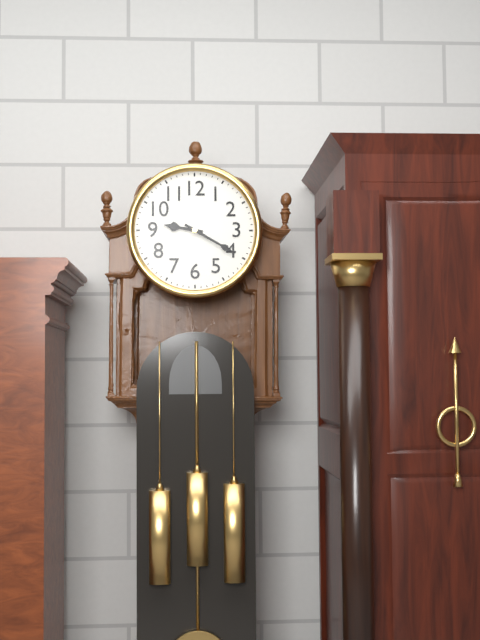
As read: 9h20
